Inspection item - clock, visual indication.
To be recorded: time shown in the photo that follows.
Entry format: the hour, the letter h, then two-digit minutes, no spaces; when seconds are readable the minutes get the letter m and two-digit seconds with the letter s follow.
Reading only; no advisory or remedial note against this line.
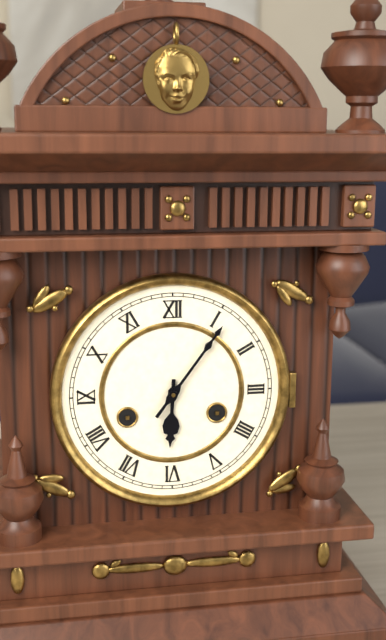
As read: 6h06
